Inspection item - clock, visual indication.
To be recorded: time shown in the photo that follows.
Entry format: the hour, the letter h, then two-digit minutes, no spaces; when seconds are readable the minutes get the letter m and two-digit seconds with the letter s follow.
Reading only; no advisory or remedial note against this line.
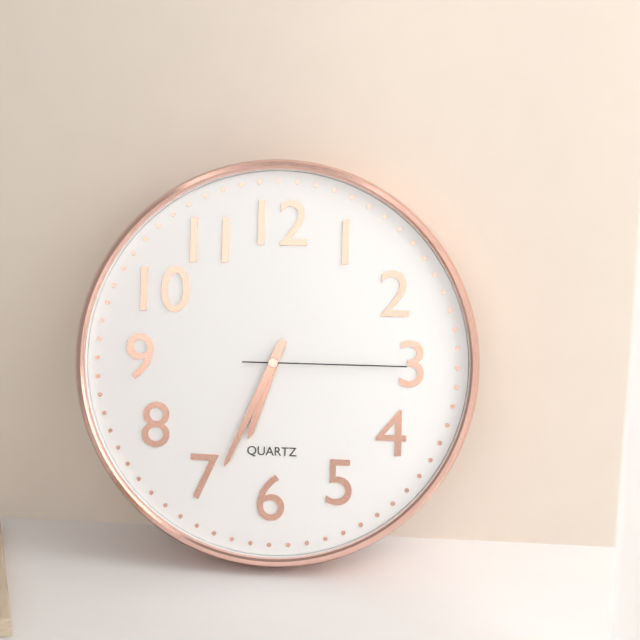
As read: 6h34m15s
